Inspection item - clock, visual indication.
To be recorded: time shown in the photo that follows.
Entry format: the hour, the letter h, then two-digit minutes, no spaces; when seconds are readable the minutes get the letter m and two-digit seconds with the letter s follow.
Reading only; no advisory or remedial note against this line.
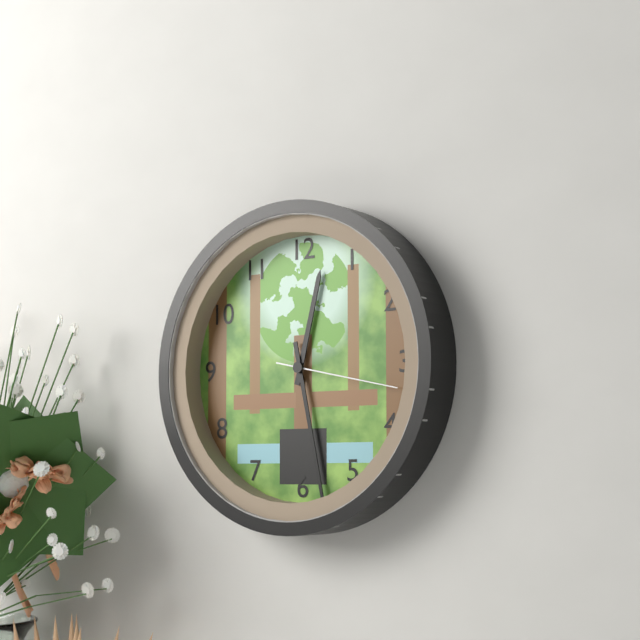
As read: 12h28m17s
